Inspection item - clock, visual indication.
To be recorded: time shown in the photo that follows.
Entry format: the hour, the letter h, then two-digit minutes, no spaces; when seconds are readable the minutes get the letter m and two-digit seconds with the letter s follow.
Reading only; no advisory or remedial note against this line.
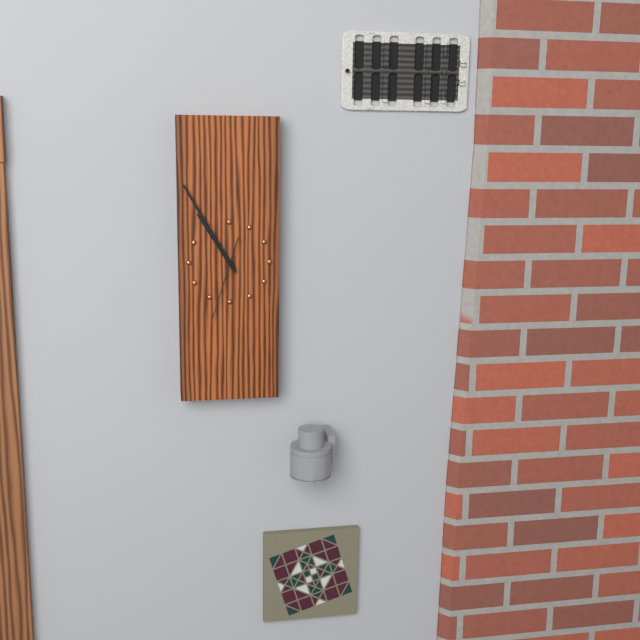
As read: 10h55m33s
